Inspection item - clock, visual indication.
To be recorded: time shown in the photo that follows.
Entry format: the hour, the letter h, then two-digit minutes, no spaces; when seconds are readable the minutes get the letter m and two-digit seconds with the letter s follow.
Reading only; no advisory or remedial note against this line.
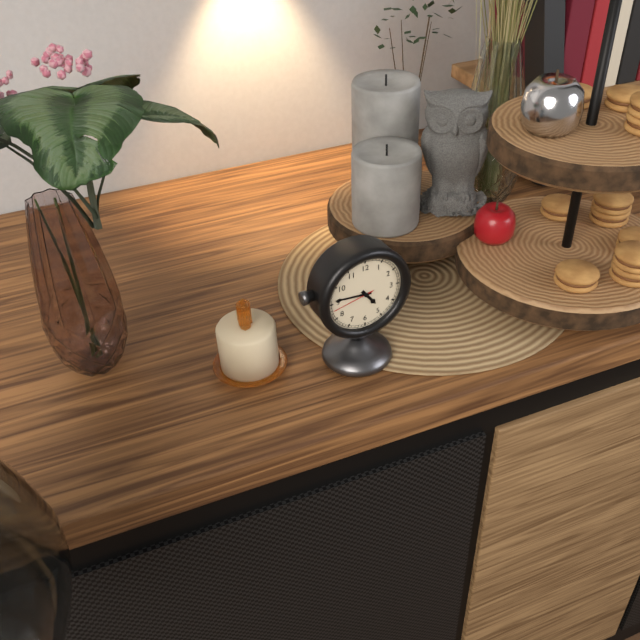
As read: 4h46
